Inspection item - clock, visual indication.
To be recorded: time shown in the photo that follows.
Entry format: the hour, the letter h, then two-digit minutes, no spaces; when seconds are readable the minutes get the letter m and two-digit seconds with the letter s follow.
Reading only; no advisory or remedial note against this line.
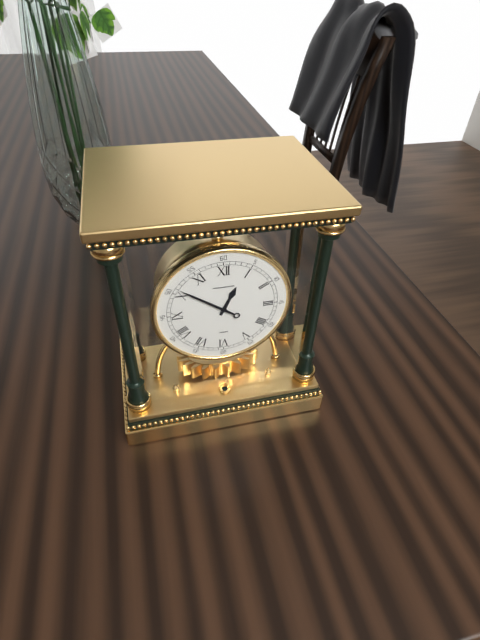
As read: 12h51
